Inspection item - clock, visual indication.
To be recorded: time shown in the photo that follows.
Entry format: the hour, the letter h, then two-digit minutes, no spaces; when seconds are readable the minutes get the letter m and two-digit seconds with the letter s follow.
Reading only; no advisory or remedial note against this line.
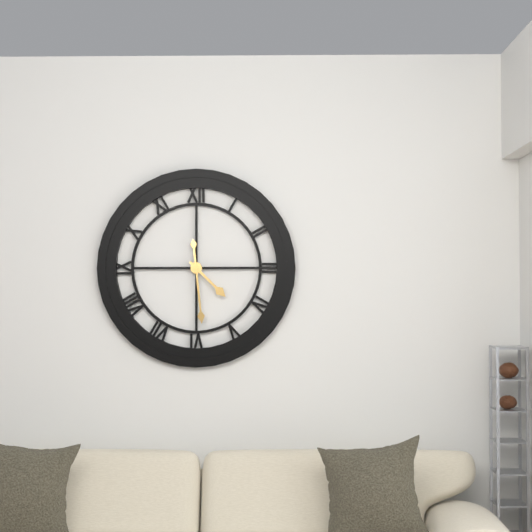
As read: 4h29
